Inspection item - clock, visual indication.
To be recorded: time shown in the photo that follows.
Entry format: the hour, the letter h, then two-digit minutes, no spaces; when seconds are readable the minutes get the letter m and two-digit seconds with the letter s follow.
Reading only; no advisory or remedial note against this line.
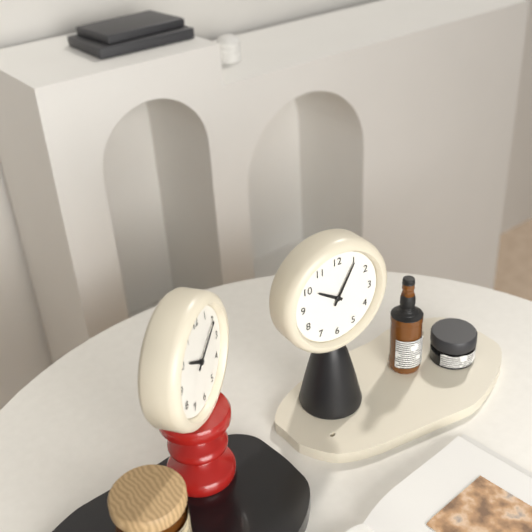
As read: 10h05
